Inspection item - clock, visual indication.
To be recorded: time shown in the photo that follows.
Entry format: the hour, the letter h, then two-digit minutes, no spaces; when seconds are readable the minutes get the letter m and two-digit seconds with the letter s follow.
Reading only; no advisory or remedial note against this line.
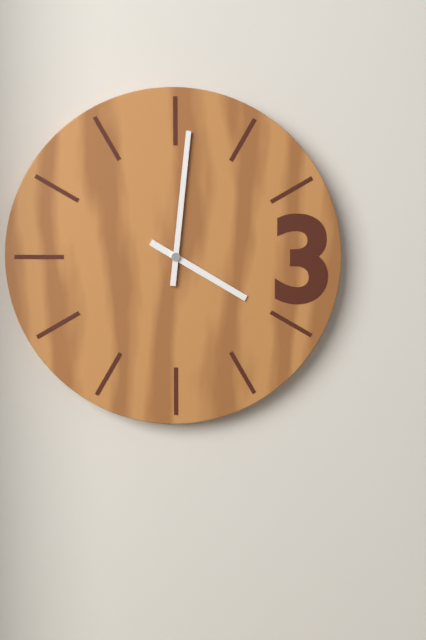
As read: 4h01
